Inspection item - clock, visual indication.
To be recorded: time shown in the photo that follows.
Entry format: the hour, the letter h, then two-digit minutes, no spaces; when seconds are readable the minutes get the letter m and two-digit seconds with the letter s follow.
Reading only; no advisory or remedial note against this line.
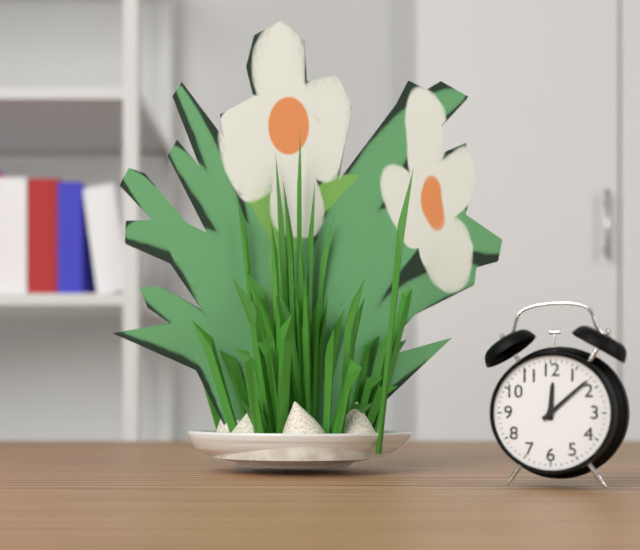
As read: 12h08
